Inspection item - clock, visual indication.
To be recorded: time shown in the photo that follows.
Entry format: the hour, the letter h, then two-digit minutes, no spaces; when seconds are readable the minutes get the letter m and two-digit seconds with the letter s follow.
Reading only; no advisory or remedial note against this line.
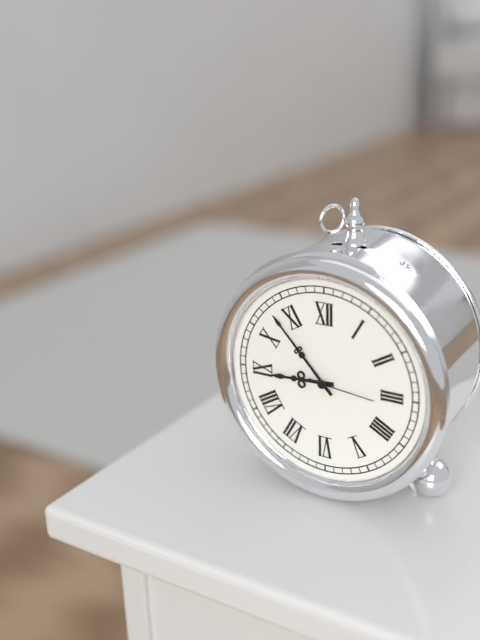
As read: 8h53m16s
